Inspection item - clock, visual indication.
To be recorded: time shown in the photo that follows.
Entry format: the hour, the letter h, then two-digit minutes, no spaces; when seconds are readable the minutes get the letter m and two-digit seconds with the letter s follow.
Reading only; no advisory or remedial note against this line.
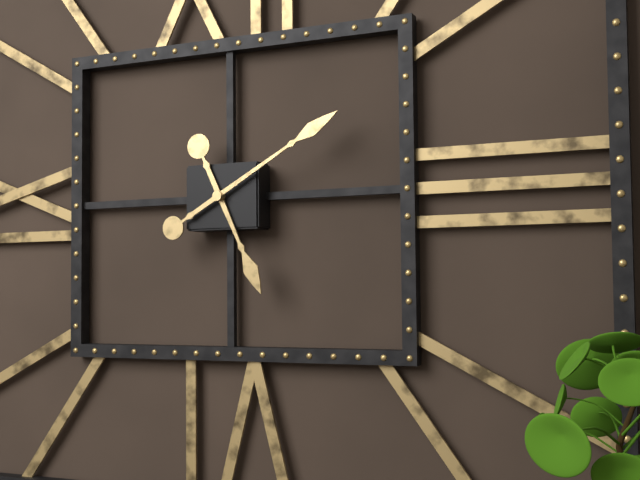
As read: 5h10
